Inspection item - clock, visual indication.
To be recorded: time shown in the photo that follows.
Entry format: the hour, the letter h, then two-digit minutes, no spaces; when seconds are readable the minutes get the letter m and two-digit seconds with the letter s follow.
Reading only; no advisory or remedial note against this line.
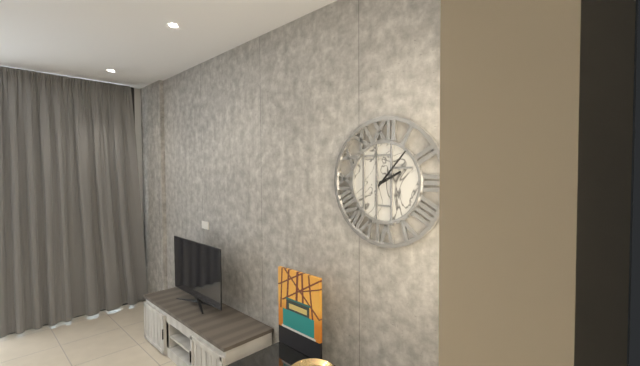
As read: 2h07
